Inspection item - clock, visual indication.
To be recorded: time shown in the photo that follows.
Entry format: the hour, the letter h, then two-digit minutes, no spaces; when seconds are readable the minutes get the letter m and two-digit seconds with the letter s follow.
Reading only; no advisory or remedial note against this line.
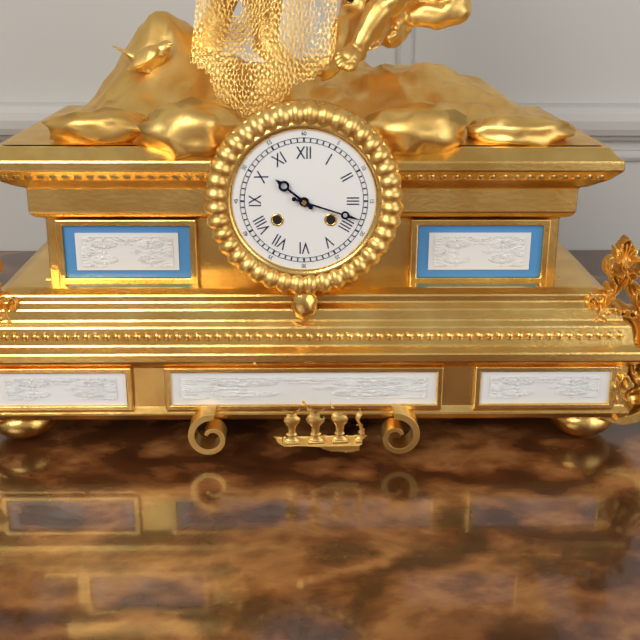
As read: 10h18
